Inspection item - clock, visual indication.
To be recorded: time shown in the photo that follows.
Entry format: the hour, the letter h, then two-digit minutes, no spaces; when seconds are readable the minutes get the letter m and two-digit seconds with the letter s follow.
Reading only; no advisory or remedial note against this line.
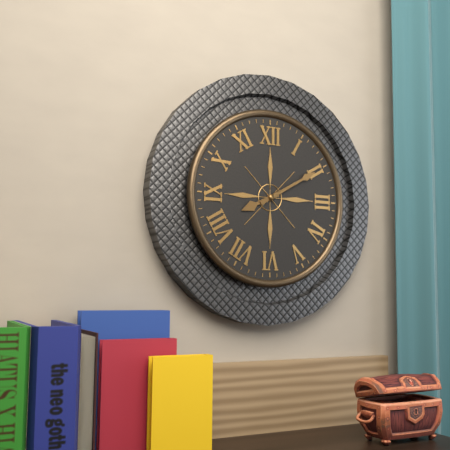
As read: 8h10
